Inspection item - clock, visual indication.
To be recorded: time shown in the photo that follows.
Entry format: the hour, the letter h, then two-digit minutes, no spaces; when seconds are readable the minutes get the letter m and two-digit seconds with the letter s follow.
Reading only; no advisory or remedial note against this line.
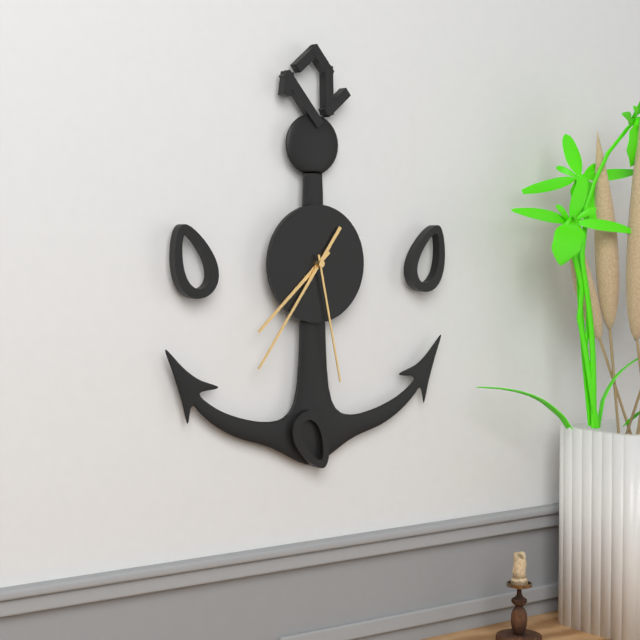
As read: 7h36m28s
